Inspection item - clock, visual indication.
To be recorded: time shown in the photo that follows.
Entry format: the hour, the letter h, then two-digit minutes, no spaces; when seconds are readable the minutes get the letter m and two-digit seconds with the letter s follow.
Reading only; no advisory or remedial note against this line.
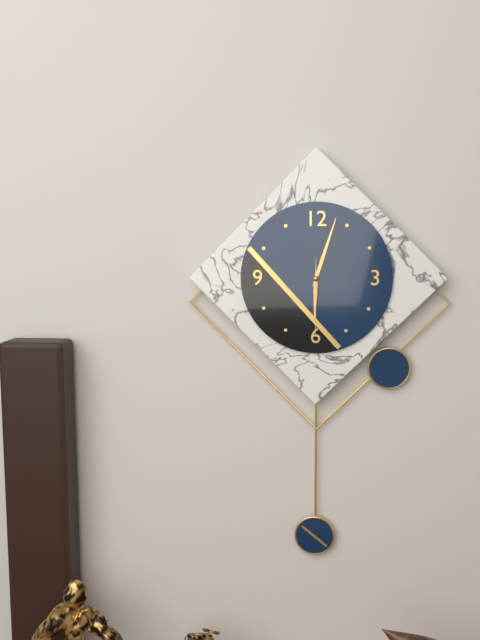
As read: 6h03m30s
